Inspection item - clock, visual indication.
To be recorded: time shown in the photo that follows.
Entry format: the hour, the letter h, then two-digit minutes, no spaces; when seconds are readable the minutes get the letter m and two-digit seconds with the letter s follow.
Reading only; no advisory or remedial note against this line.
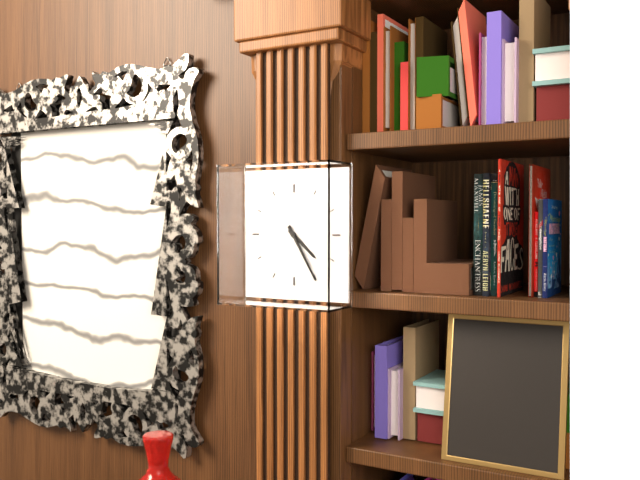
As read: 4h25
